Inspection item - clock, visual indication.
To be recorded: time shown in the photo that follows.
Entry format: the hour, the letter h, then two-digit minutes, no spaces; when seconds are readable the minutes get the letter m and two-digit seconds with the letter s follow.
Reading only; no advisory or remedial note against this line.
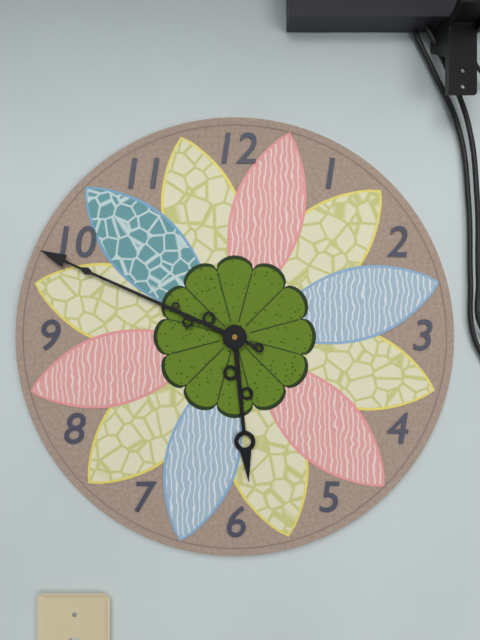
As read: 5h49
